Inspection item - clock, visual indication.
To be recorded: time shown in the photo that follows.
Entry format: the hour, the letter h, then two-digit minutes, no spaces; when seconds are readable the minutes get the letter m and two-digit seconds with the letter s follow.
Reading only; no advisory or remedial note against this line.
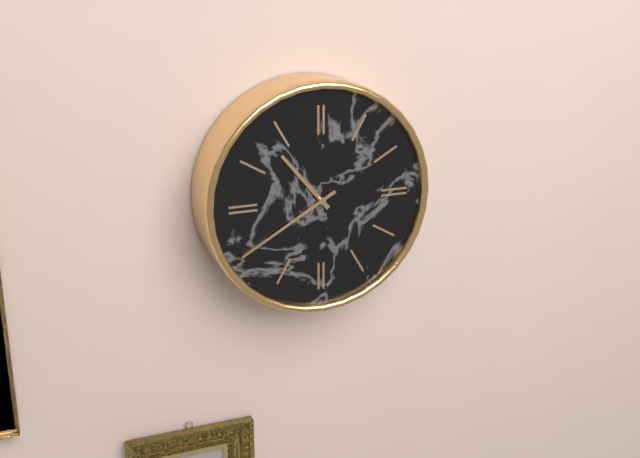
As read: 10h40
